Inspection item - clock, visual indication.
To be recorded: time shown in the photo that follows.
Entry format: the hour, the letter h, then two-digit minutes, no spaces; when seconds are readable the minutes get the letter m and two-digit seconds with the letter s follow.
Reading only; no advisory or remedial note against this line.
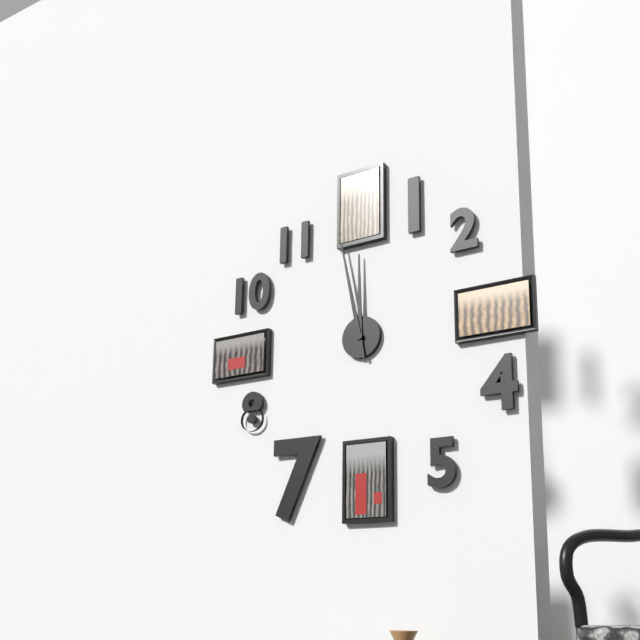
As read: 11h58
